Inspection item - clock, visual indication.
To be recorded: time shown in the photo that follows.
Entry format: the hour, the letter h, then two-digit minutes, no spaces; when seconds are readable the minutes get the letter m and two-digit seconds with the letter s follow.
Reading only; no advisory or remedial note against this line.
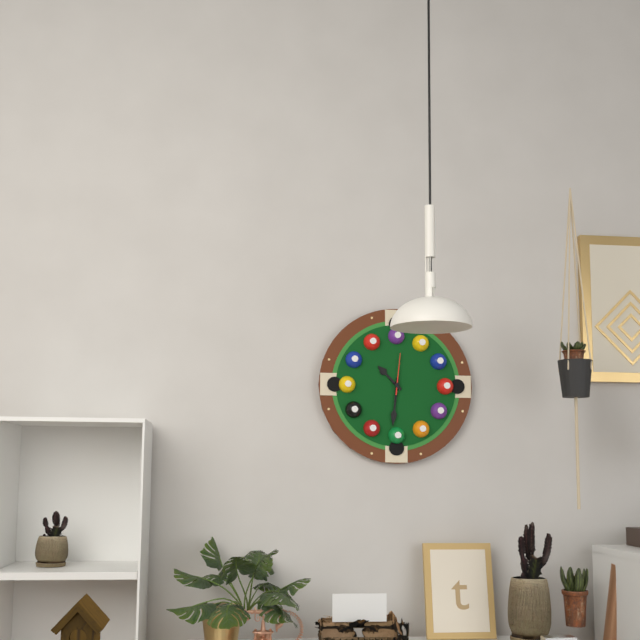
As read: 10h31
